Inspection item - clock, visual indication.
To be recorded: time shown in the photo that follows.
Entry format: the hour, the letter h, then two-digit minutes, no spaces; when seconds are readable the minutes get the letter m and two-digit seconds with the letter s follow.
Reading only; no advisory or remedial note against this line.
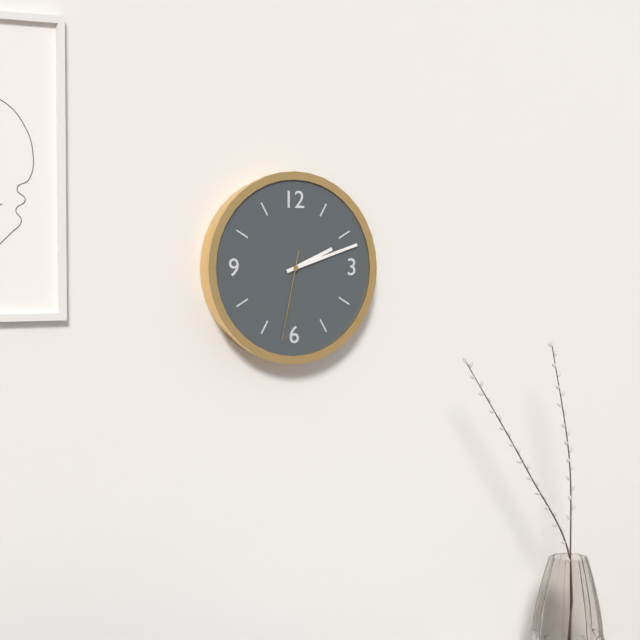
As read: 2h12m32s
